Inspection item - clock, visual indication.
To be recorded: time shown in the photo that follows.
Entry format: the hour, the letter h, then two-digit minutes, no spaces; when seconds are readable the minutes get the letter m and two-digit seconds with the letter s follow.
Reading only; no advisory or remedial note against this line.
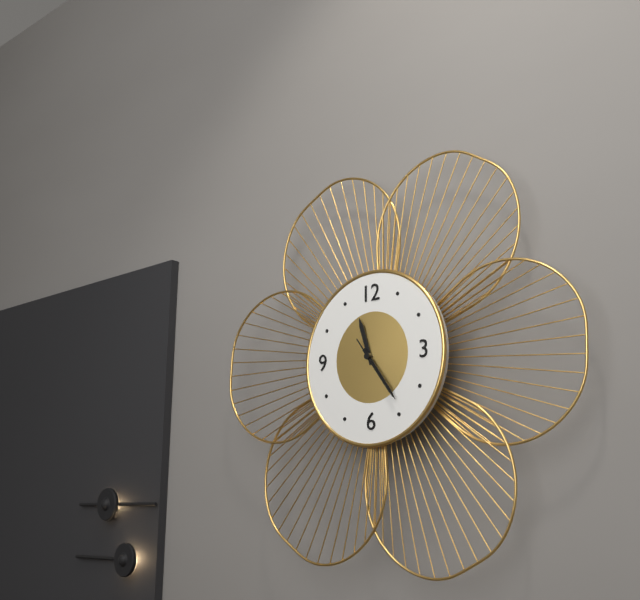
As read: 11h24m24s
